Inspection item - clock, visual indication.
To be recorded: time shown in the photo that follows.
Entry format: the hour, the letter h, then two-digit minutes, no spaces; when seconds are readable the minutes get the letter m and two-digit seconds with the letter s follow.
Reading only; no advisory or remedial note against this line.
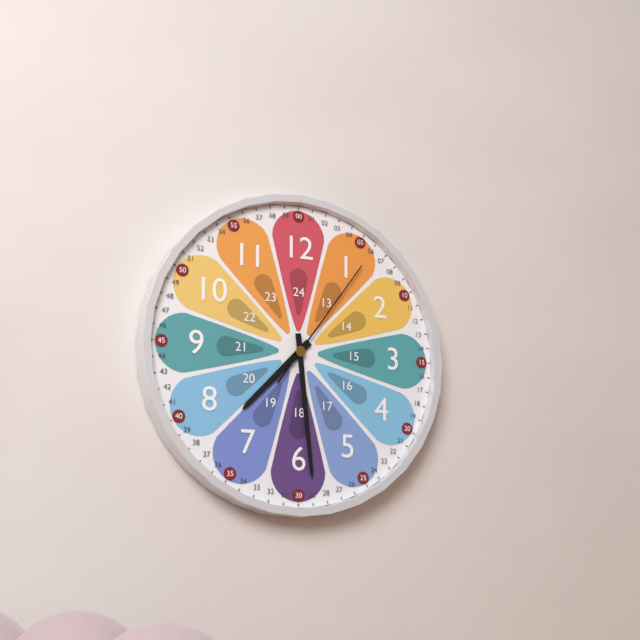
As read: 7h29m06s
